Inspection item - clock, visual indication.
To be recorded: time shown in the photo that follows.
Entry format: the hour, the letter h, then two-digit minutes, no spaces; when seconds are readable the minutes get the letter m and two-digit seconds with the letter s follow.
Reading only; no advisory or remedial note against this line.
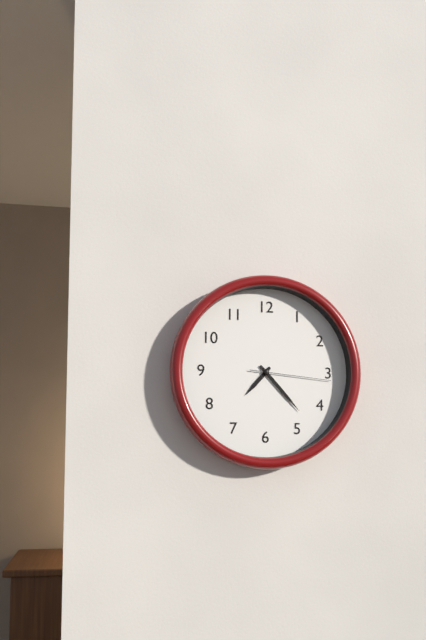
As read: 7h23m16s
